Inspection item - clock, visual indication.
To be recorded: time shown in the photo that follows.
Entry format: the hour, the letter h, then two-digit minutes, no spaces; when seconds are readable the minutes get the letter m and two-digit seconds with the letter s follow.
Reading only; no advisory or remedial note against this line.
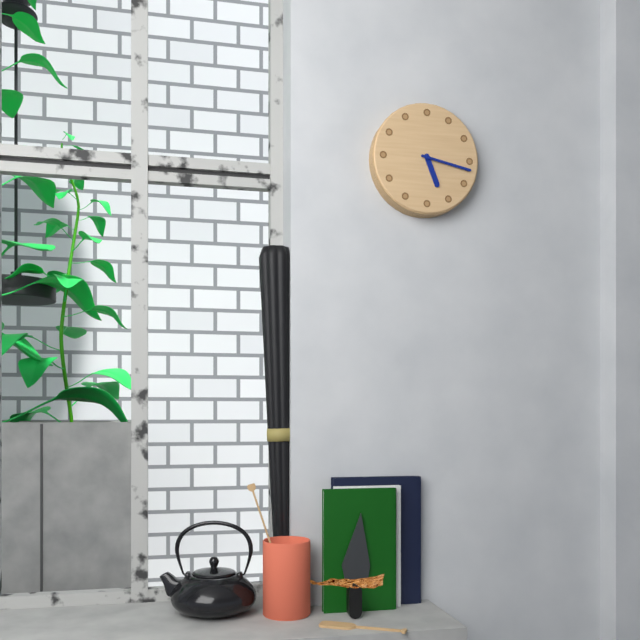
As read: 5h17
